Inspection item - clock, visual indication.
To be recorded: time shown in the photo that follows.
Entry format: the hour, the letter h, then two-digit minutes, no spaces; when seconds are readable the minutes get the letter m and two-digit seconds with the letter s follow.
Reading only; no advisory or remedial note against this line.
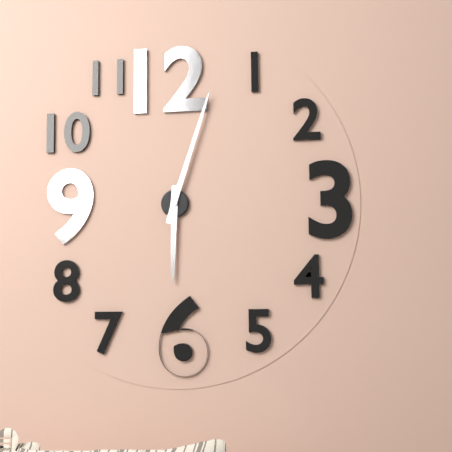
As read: 6h03
